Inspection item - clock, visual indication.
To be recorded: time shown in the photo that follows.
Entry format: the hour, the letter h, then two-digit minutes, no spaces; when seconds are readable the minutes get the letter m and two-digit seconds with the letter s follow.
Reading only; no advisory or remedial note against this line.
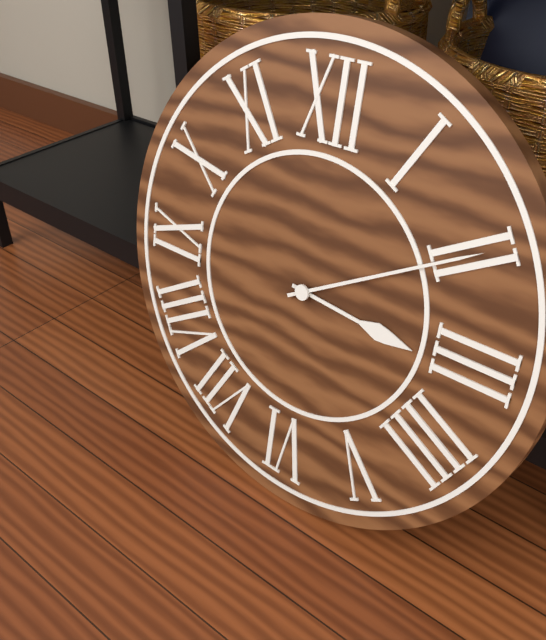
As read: 3h10
